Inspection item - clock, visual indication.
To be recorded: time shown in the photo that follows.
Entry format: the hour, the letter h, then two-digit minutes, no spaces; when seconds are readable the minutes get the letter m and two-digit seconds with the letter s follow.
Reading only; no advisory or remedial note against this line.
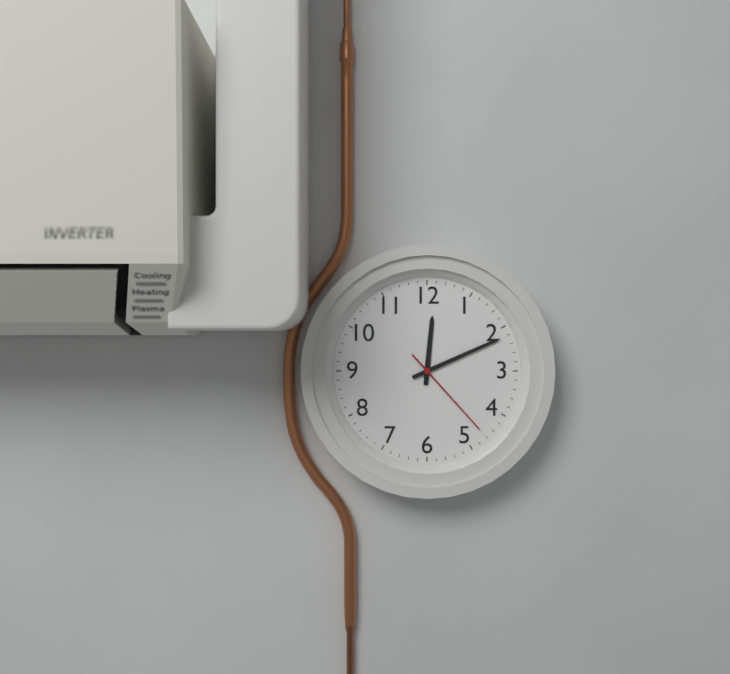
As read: 12h11m23s
